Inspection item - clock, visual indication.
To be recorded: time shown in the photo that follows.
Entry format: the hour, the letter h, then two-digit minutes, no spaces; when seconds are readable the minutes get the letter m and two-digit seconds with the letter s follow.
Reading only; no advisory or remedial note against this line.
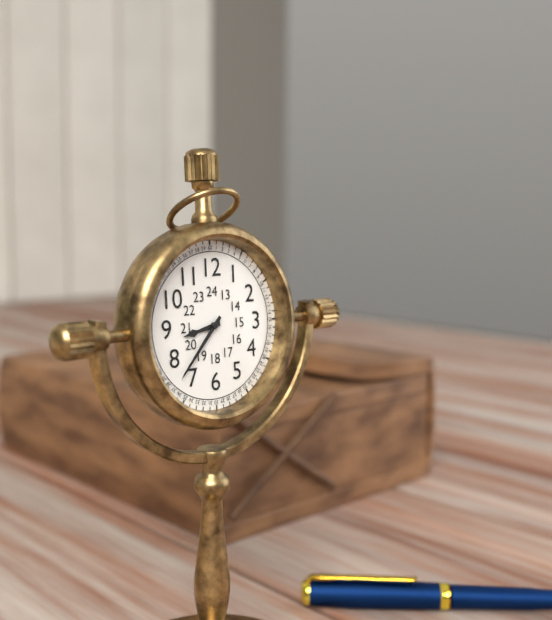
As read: 8h37
